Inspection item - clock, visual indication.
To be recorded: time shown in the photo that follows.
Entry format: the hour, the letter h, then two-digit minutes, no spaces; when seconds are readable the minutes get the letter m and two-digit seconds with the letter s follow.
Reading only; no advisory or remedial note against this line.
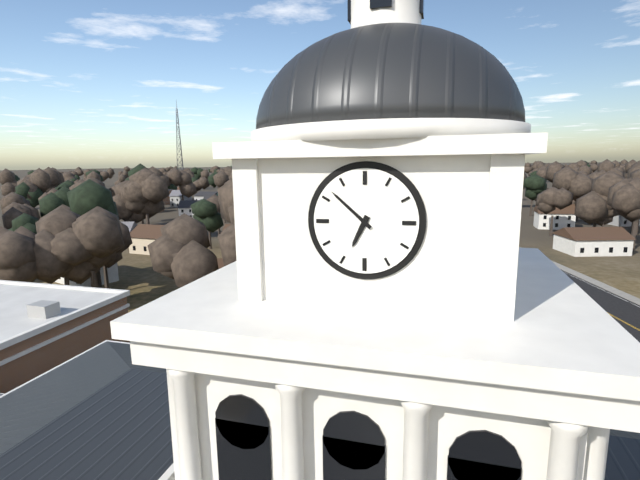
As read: 6h52
